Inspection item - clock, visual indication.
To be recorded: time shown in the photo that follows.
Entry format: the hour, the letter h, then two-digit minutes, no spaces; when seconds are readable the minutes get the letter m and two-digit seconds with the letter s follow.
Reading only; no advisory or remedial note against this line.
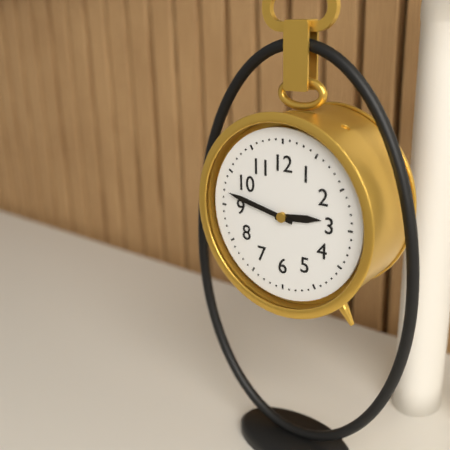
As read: 2h47
